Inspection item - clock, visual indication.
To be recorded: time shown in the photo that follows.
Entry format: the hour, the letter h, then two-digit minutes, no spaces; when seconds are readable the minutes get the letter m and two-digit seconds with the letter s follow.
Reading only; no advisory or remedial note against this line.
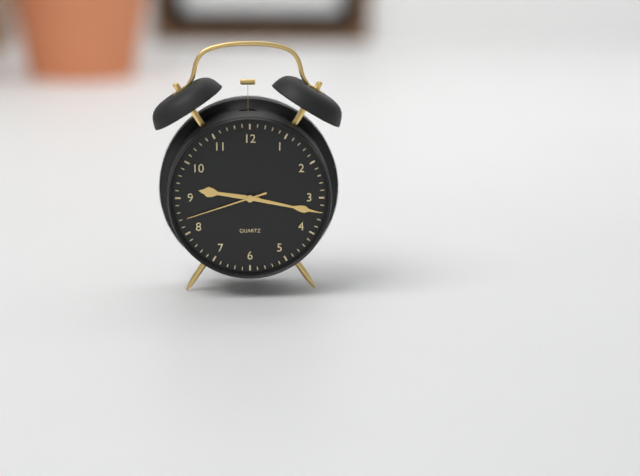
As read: 9h17m42s
